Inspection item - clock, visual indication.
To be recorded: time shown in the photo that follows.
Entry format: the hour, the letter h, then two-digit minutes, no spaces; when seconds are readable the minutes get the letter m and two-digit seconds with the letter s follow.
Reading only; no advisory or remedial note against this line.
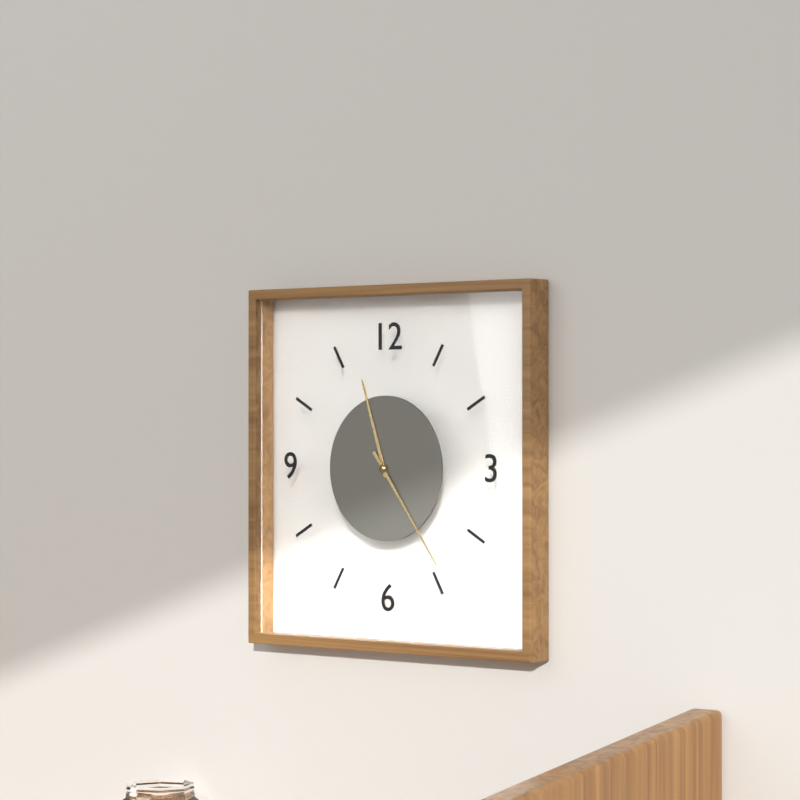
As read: 11h24
